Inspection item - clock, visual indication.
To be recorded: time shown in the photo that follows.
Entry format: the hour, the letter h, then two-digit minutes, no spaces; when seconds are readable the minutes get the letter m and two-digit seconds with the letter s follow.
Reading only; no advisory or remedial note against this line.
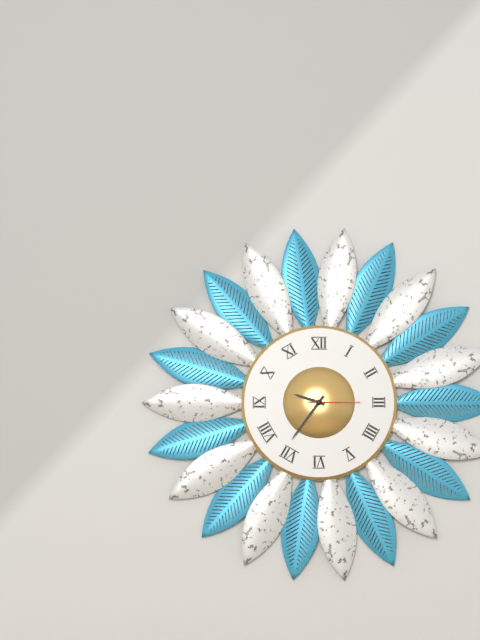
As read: 9h36m15s
